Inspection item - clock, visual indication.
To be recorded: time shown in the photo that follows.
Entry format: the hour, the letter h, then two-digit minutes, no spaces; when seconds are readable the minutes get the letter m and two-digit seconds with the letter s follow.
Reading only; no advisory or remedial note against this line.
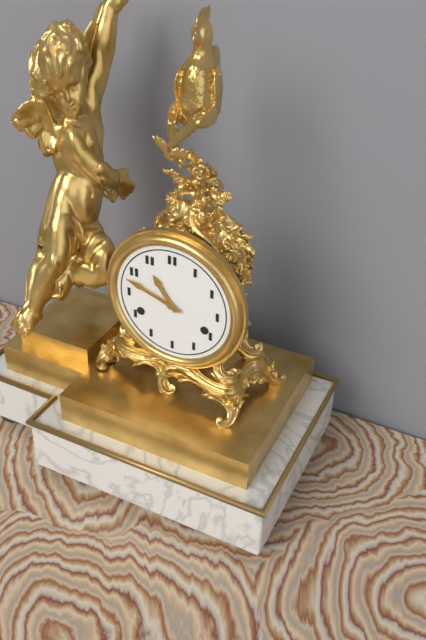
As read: 10h48
